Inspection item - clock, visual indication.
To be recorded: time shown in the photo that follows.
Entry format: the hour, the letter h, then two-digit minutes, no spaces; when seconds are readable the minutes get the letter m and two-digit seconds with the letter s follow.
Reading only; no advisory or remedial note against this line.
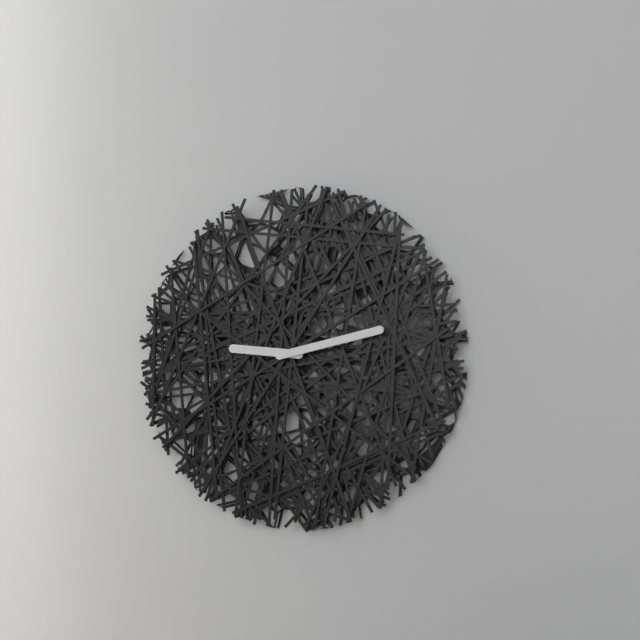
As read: 9h13
